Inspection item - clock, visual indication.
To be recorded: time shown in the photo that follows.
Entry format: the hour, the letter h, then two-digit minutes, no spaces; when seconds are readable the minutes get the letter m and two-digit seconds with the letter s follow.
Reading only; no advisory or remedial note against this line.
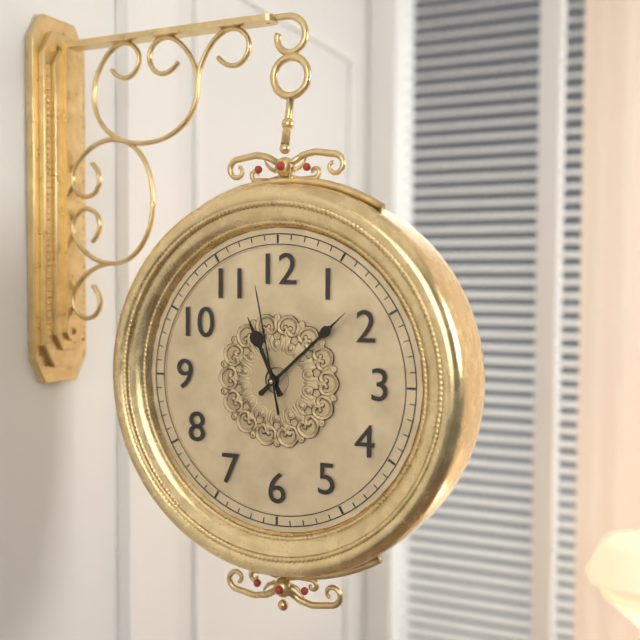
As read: 11h08m58s
